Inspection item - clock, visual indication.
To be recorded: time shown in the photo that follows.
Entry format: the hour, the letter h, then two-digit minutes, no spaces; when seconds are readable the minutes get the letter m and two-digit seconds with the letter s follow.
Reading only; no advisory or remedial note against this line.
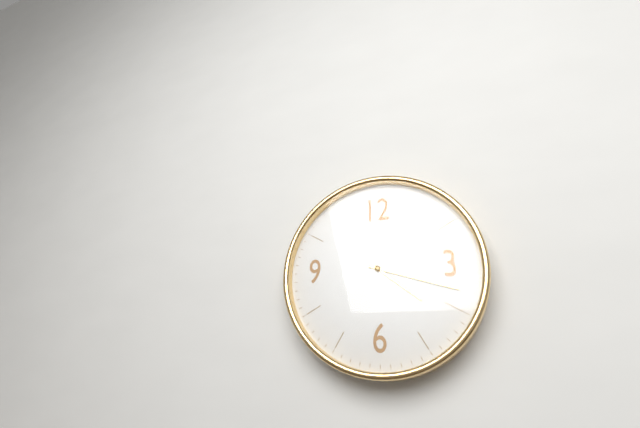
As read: 4h18
